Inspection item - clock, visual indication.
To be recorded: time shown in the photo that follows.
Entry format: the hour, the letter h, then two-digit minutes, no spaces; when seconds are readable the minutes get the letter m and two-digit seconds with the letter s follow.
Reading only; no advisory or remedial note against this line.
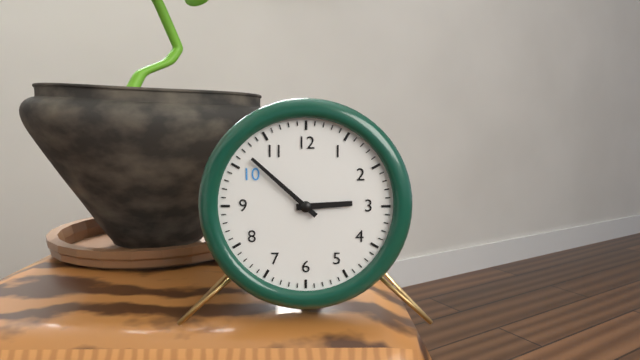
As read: 2h52
